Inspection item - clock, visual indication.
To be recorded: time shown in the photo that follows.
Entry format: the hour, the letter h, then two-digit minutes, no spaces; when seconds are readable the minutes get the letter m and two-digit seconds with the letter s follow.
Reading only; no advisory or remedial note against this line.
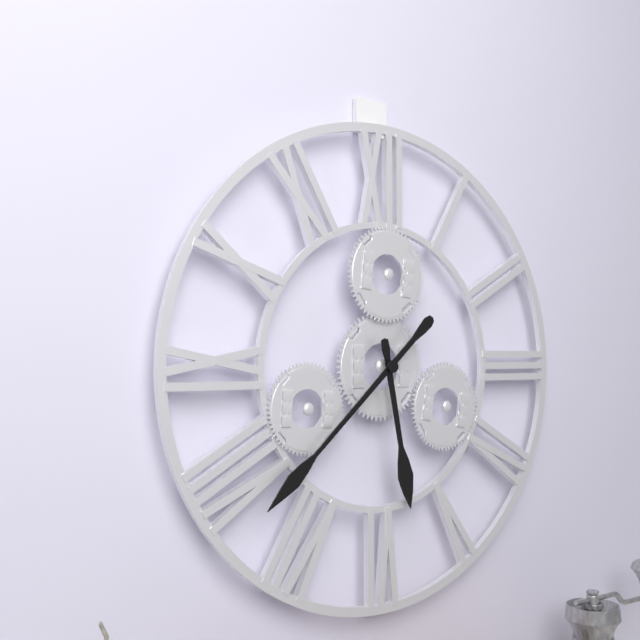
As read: 5h38
